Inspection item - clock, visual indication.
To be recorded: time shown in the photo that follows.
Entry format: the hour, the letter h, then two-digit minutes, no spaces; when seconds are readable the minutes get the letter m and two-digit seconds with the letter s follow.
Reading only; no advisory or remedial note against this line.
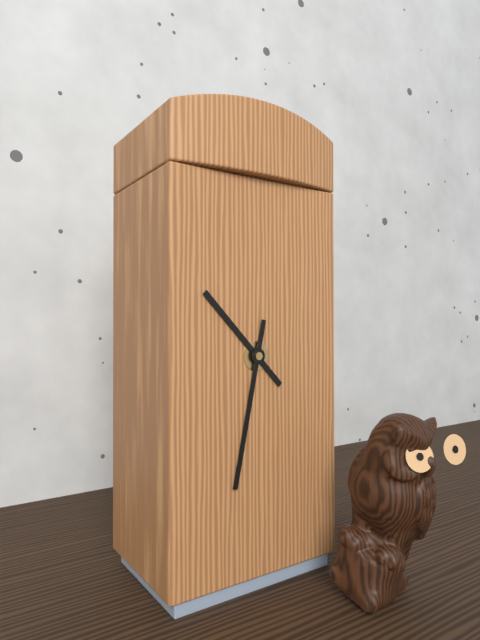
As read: 10h32
